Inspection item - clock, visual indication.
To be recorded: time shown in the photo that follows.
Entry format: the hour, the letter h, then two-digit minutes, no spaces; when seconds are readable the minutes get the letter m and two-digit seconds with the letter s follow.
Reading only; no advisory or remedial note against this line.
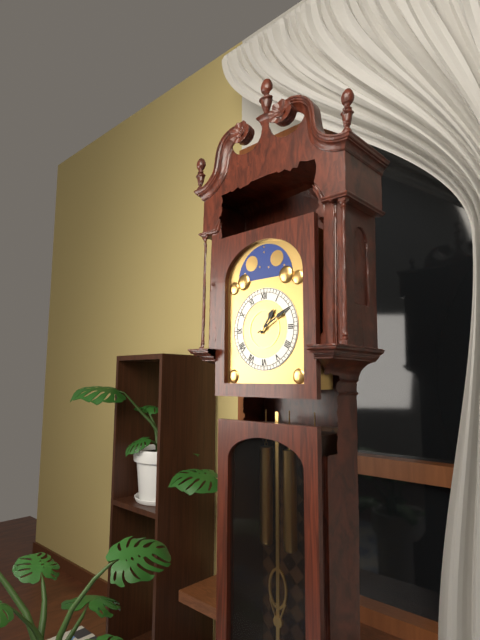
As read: 1h10
